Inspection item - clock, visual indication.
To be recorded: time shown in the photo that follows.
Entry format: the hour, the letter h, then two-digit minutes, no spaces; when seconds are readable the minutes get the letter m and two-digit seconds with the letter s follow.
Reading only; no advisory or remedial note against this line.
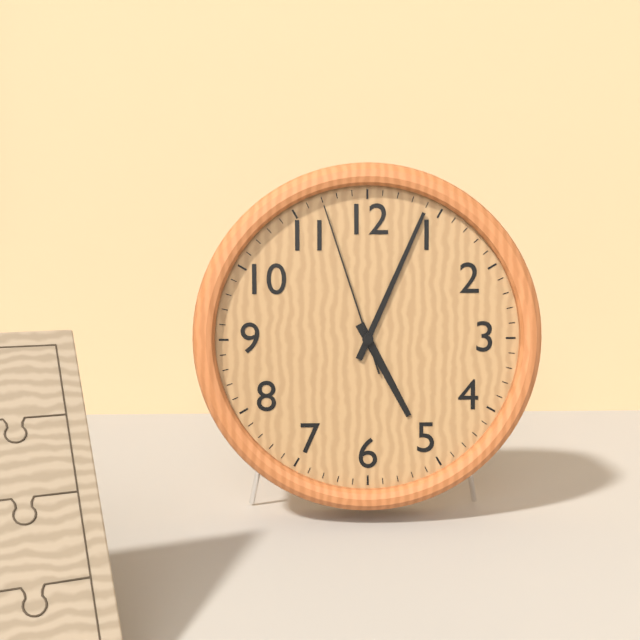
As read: 5h04m57s
